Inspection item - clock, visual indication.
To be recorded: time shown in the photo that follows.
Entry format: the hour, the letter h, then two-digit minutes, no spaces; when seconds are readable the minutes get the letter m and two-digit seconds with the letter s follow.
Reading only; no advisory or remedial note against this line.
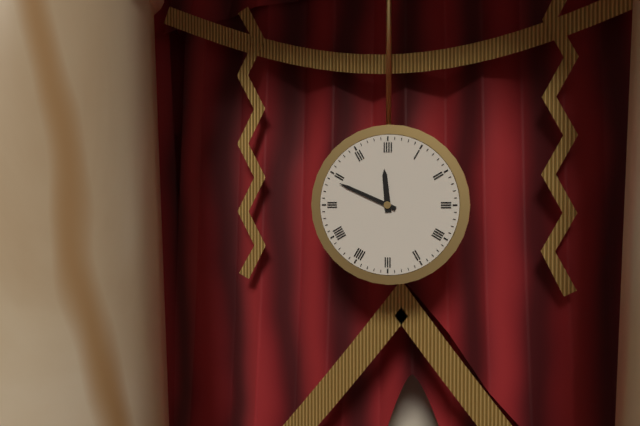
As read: 11h49
